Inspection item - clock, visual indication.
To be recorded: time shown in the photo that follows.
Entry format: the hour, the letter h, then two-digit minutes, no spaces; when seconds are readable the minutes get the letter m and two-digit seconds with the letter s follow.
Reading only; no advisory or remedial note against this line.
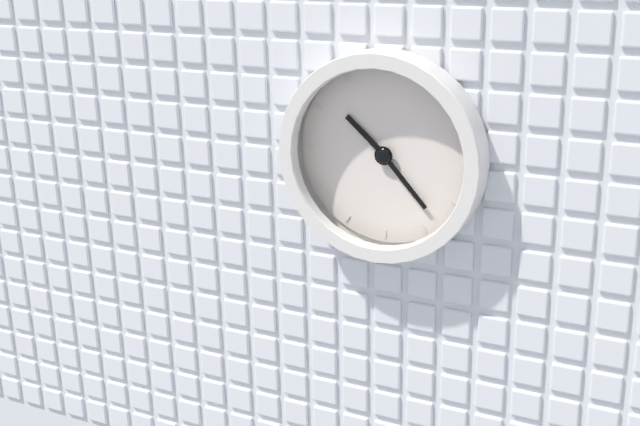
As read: 10h23
